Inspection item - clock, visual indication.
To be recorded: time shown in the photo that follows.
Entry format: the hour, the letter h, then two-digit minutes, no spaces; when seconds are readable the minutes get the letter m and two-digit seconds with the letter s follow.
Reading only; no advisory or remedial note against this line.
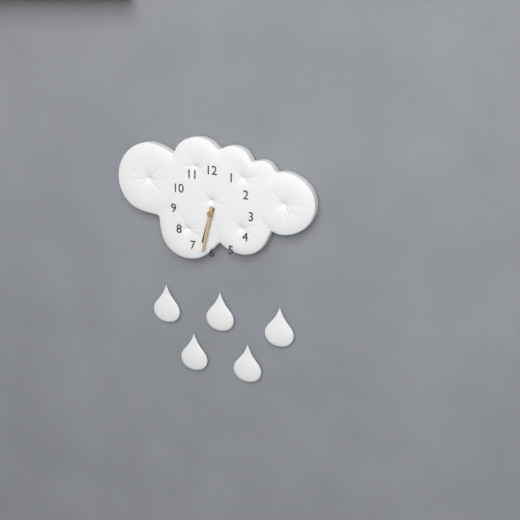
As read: 6h32
